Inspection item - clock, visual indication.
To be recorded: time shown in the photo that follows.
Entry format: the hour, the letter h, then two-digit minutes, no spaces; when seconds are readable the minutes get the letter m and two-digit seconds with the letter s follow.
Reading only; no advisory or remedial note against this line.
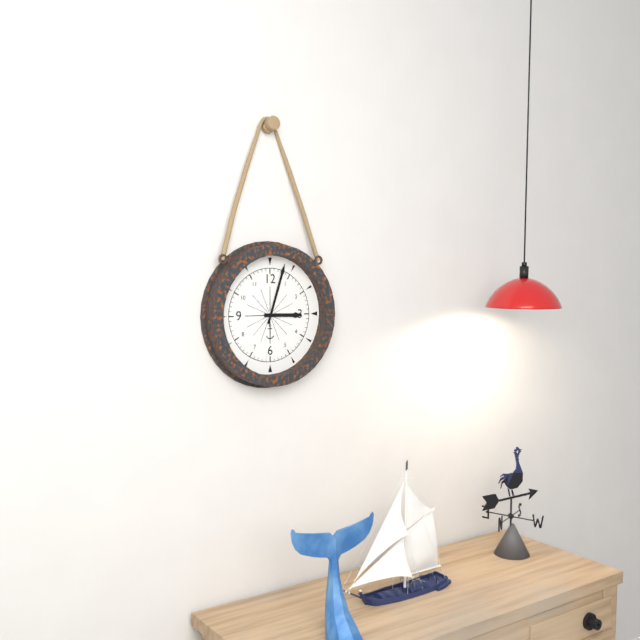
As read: 3h03
